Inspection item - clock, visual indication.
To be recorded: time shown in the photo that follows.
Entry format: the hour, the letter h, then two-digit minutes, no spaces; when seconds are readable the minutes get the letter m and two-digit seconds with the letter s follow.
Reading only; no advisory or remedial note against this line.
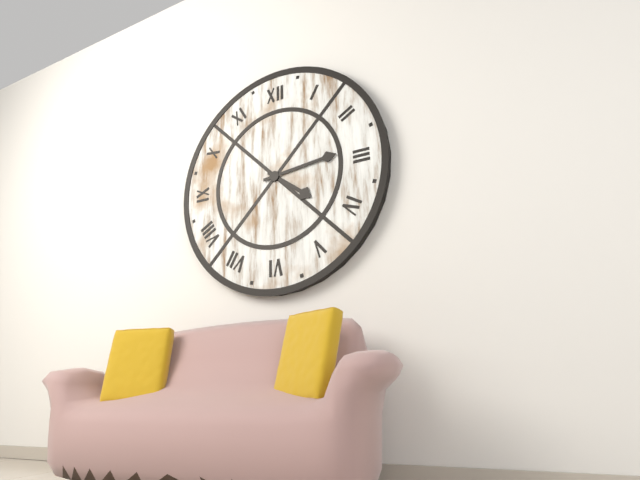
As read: 4h14
